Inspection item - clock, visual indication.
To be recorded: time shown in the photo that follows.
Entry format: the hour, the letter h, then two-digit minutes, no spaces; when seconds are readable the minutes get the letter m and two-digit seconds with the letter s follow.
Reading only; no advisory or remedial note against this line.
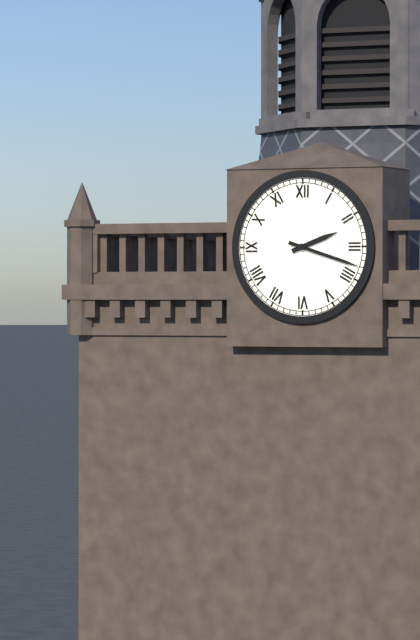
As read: 2h18
